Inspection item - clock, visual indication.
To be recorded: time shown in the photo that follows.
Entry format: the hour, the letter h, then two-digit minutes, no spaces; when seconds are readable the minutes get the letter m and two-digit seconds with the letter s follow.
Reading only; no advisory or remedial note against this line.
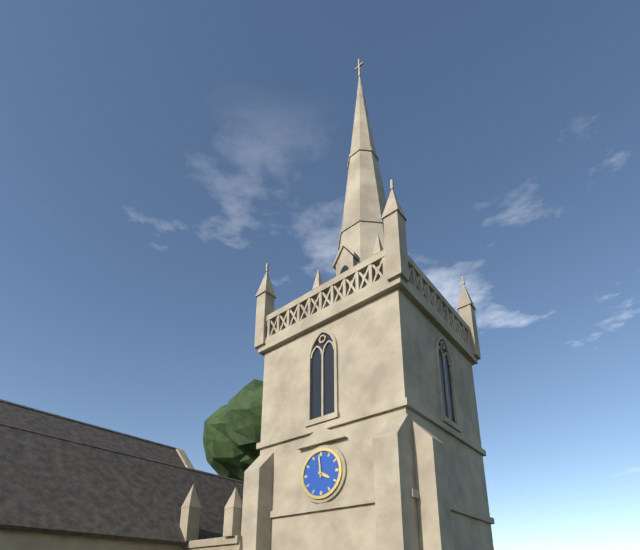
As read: 3h59
